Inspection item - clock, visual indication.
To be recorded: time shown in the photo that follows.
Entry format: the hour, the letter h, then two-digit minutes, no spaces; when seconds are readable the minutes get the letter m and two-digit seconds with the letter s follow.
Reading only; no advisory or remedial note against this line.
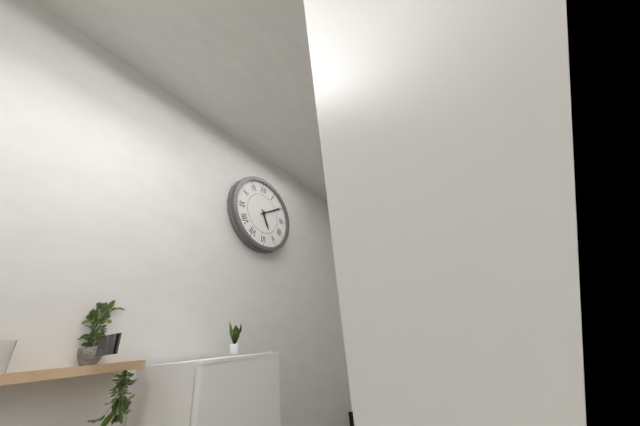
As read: 5h10
